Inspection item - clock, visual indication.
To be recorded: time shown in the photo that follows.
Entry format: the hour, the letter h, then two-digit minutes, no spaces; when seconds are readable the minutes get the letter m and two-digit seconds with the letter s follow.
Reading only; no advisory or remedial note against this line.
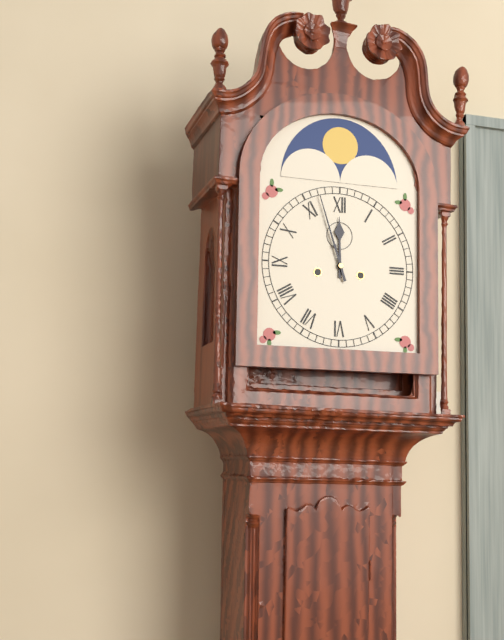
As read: 11h57
